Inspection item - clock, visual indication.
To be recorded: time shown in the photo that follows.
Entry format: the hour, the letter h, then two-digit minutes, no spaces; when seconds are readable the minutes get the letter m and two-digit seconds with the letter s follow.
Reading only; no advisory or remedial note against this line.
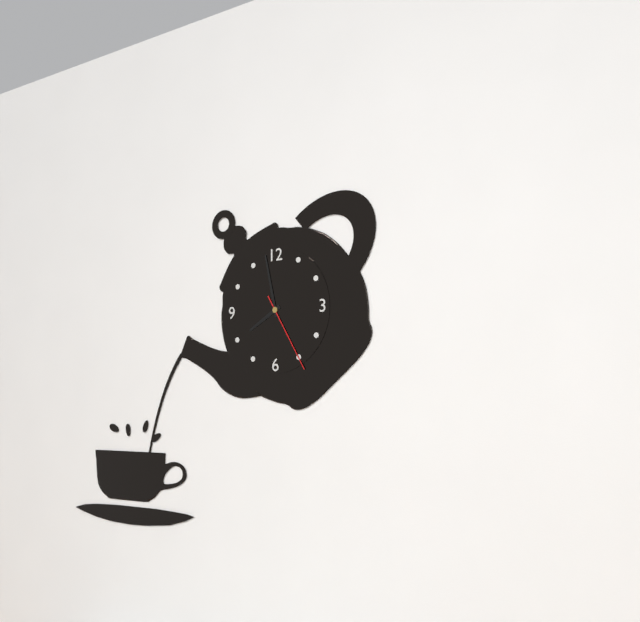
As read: 7h58m25s
